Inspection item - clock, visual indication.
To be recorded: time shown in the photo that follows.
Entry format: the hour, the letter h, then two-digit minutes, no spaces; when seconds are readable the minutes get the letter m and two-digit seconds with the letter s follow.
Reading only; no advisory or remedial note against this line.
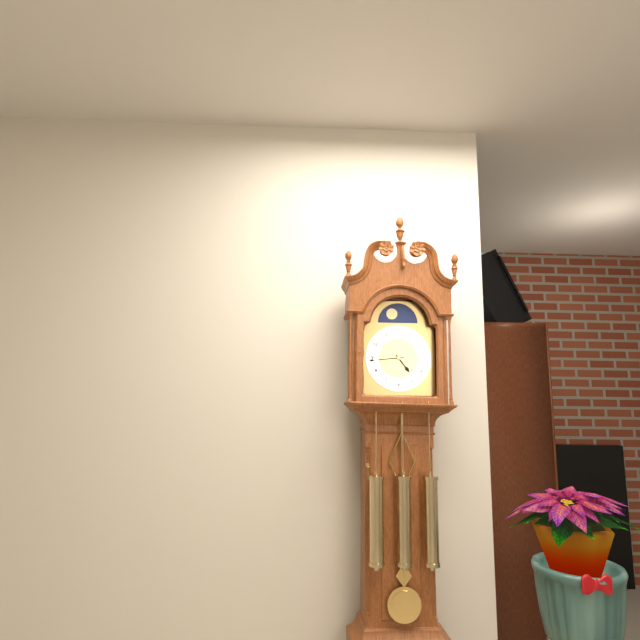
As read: 4h44
